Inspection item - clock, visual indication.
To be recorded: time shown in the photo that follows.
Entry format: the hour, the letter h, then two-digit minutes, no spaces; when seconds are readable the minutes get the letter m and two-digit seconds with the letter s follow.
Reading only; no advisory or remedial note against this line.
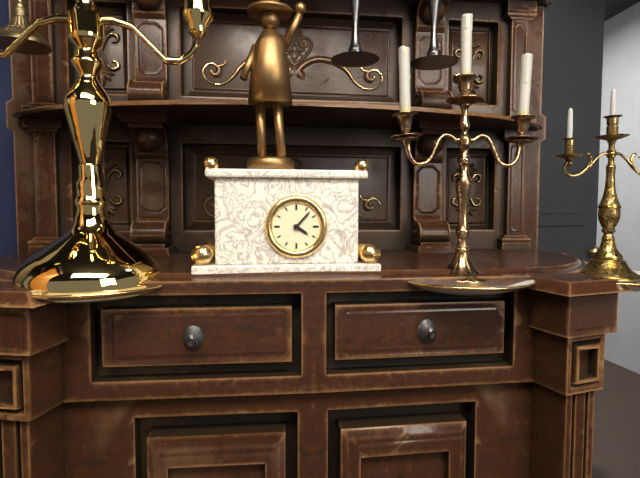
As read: 4h07
